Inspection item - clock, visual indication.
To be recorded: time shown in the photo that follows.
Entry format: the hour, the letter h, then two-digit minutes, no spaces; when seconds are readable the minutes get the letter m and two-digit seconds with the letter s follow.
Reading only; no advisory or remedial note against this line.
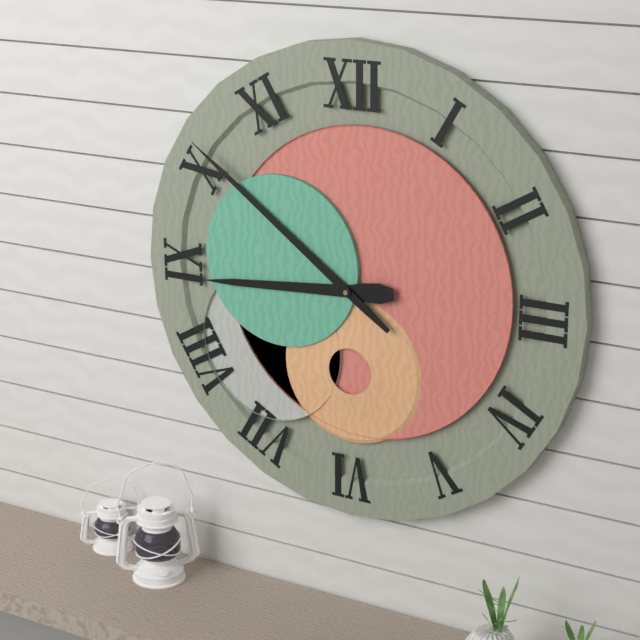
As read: 8h51
